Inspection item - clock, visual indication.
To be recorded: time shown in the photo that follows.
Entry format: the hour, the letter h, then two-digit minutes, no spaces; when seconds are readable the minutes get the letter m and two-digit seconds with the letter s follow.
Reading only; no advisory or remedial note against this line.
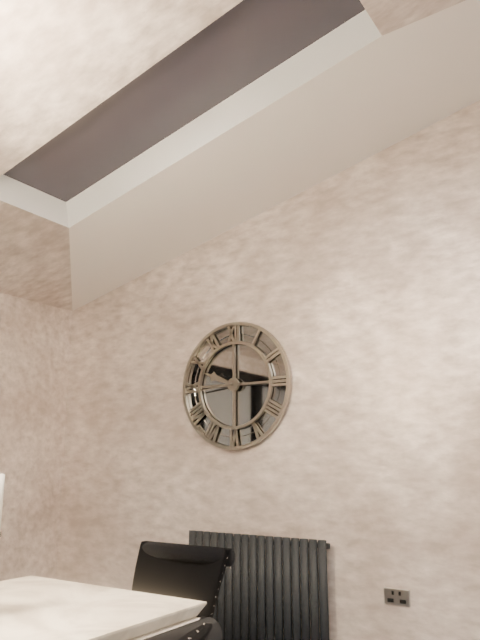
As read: 9h44
